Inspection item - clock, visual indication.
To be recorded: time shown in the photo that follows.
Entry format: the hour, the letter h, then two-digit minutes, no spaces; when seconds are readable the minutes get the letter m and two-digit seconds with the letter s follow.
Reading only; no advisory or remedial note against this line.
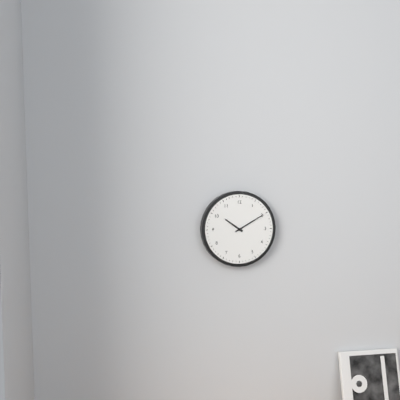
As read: 10h10
